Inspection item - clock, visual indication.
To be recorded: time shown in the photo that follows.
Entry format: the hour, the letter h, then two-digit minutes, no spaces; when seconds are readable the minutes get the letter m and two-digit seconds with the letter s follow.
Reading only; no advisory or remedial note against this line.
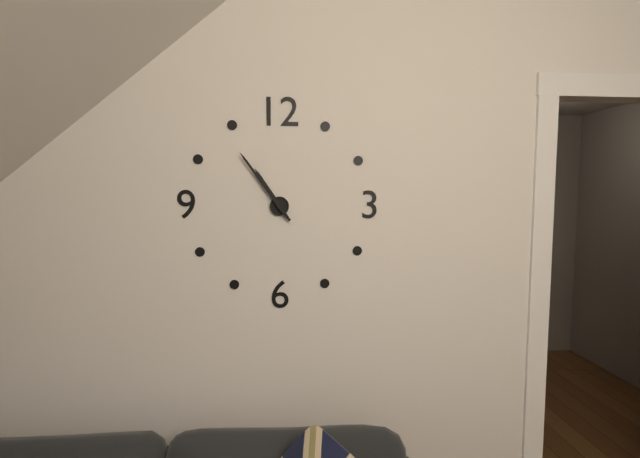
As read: 10h54
